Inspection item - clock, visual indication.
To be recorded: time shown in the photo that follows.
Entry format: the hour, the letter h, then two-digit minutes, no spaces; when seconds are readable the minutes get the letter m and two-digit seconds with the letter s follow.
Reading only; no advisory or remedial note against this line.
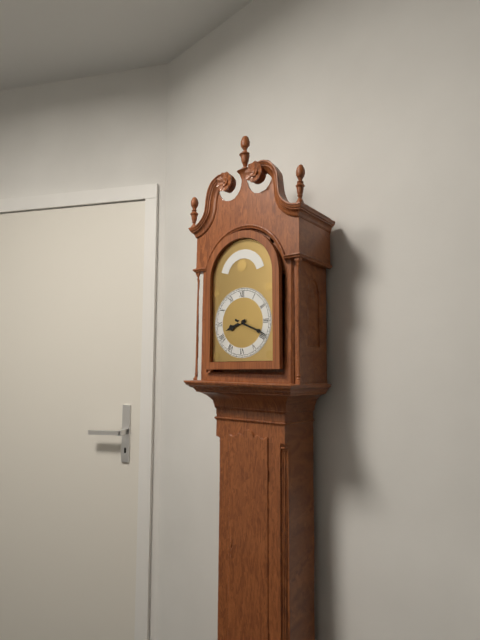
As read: 8h19
